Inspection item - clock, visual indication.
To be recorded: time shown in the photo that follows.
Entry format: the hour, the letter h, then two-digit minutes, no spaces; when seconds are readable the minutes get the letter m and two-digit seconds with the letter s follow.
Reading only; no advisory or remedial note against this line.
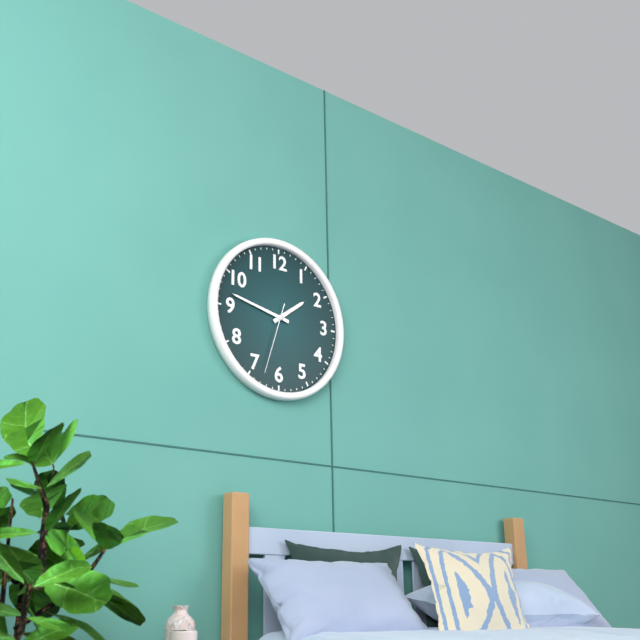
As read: 1h47m33s
